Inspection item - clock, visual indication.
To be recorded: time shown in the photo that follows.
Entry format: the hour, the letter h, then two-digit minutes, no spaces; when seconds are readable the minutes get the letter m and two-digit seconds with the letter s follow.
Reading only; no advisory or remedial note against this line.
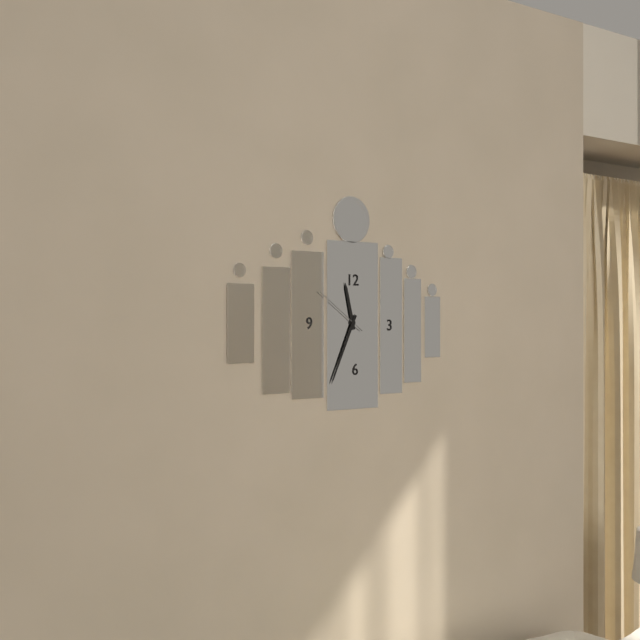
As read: 11h34m51s
